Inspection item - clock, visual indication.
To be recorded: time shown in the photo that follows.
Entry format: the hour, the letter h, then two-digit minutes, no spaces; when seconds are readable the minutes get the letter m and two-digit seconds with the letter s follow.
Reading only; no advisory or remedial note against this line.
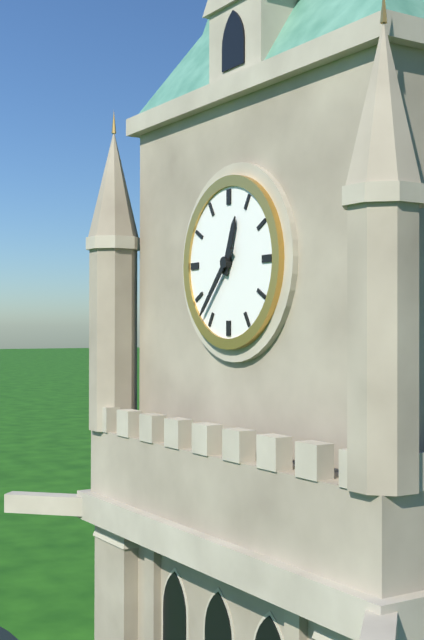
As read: 12h37
